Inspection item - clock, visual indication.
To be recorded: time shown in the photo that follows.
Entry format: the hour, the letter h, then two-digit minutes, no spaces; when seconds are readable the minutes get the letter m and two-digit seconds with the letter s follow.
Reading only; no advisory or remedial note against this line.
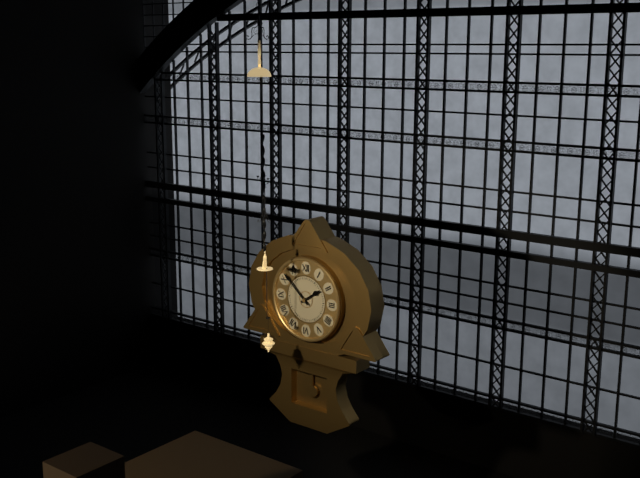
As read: 1h52
